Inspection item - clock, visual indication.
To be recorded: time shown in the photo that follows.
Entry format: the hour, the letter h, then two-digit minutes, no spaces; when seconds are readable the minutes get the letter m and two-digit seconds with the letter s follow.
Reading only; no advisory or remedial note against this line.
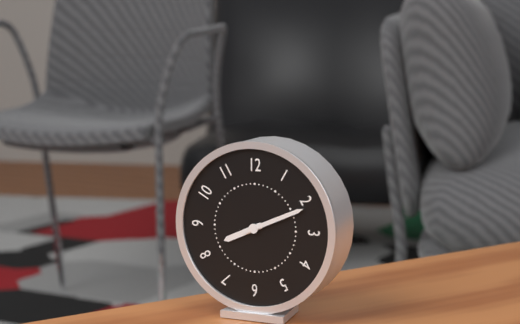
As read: 8h11
